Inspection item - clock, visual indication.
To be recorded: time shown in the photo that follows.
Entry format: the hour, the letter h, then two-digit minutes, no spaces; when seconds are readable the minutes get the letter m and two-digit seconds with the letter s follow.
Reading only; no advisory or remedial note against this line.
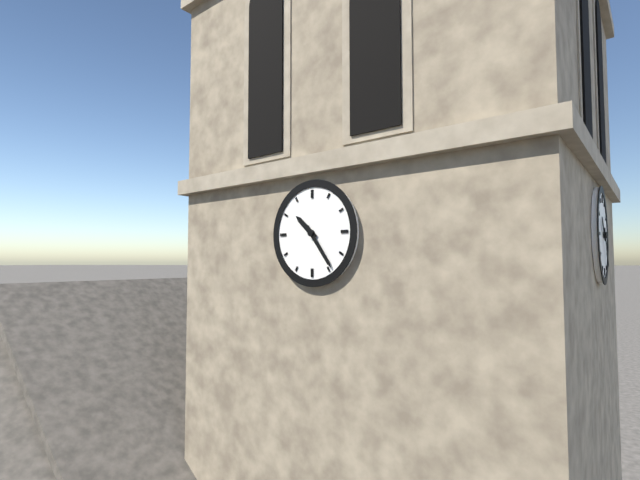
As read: 10h24
